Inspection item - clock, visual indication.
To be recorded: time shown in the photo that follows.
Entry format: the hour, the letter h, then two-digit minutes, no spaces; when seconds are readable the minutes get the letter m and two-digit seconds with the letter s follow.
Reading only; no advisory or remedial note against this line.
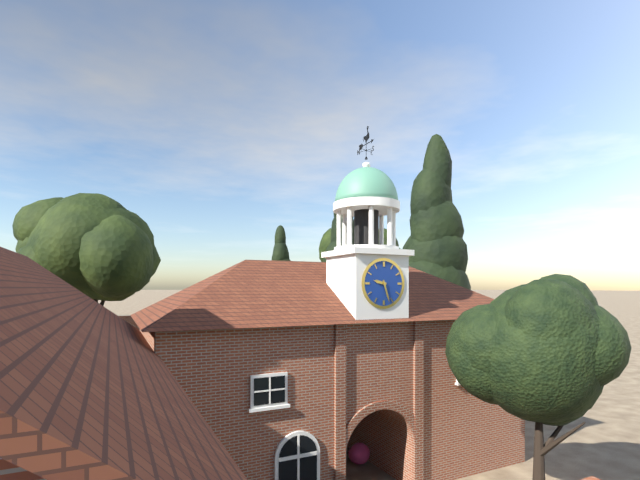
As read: 9h27
